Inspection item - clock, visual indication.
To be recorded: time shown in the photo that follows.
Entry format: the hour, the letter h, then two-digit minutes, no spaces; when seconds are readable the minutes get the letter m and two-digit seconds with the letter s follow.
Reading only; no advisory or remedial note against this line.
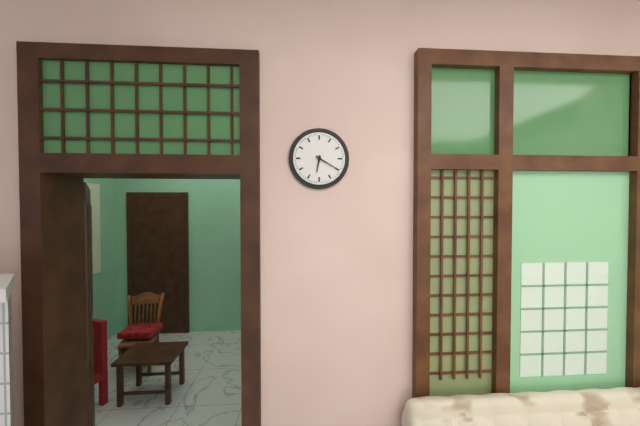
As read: 6h20
